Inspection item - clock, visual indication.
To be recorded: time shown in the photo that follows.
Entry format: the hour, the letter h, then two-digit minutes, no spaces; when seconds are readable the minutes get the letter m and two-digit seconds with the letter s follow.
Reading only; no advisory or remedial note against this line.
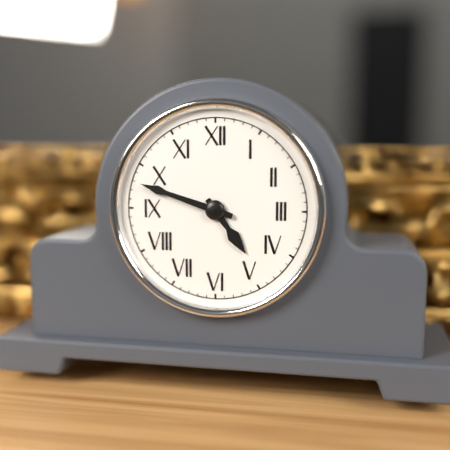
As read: 4h48
